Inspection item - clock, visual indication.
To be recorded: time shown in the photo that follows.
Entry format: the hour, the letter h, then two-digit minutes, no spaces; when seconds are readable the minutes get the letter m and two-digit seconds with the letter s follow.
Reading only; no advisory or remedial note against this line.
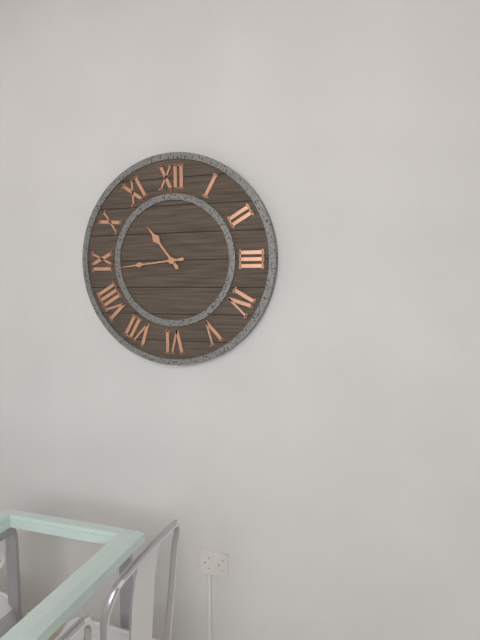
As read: 10h44
